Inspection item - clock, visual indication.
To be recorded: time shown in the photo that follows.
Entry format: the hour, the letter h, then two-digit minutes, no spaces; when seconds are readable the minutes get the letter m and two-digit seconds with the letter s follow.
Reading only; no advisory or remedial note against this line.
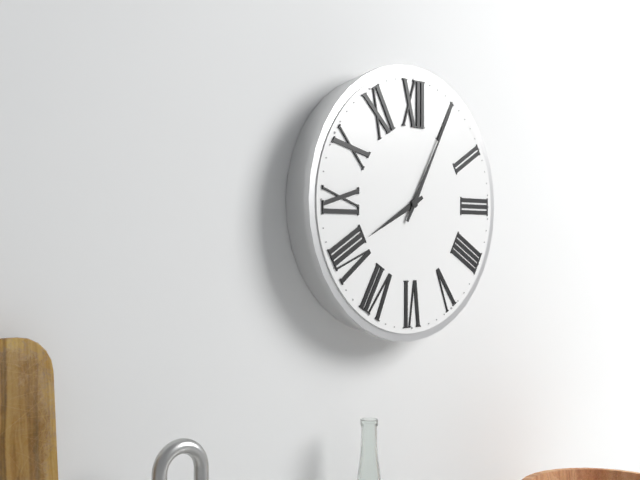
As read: 8h05
